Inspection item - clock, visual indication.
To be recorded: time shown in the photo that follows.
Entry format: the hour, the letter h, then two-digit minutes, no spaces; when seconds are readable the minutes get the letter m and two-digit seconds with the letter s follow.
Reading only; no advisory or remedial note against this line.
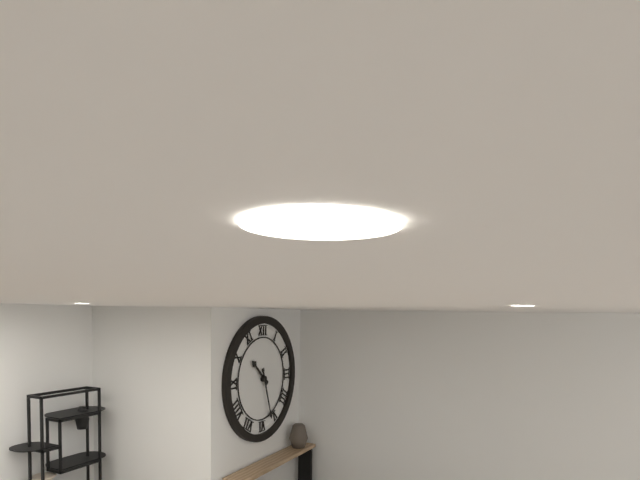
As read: 10h27
